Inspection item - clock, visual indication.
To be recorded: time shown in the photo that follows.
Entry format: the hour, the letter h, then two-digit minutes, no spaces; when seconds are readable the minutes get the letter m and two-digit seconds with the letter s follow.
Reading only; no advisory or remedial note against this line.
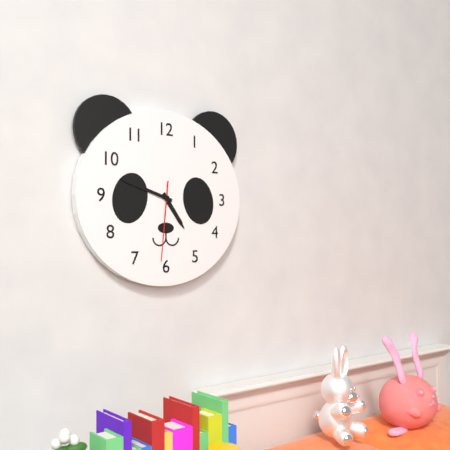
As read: 4h48m31s
